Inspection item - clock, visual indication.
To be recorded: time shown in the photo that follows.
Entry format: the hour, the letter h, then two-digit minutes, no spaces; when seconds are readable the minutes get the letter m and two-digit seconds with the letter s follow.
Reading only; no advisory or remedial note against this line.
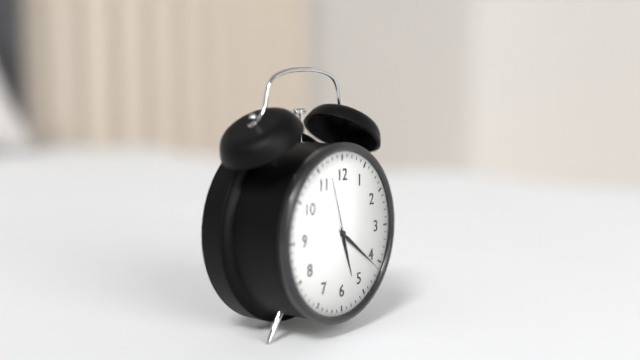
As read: 5h21m57s
